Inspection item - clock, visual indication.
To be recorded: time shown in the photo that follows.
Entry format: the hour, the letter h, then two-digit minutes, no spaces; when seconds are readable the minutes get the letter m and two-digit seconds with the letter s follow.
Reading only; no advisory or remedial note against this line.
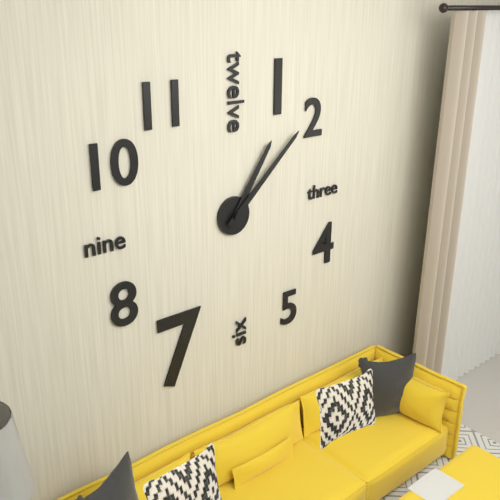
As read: 1h08
